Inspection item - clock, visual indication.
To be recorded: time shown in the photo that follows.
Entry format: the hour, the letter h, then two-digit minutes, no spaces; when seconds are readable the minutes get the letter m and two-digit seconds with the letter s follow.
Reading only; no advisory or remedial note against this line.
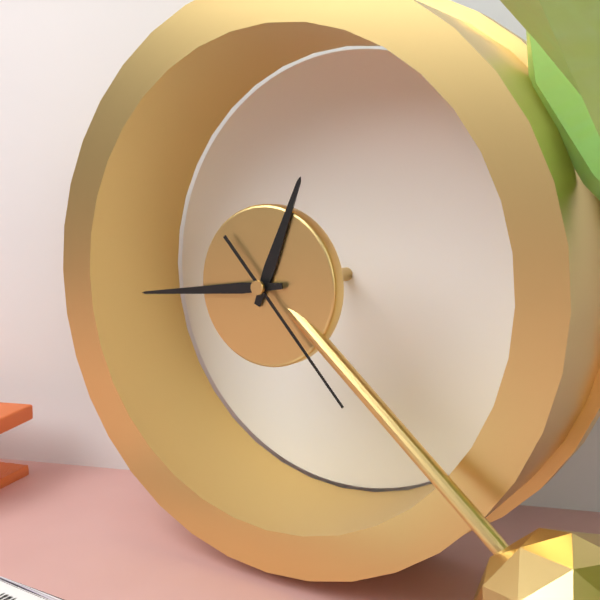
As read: 12h44m23s
